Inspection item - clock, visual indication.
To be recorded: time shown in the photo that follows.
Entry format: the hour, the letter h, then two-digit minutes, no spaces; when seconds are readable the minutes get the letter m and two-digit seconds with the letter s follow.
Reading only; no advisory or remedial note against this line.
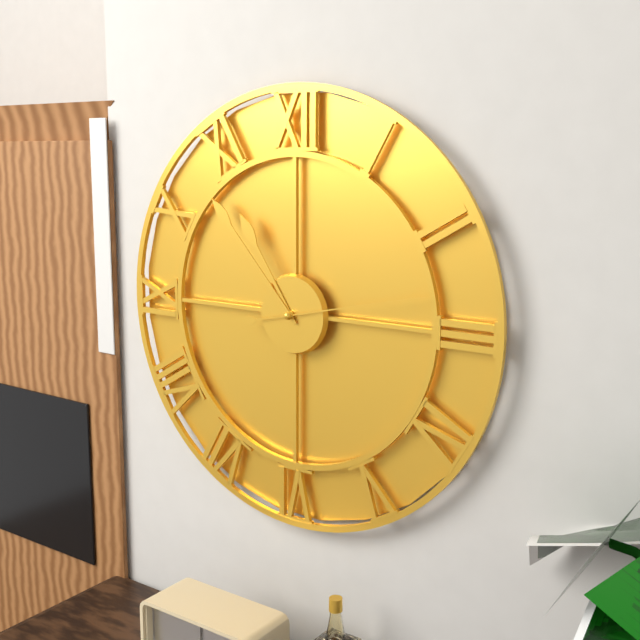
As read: 10h53m13s
